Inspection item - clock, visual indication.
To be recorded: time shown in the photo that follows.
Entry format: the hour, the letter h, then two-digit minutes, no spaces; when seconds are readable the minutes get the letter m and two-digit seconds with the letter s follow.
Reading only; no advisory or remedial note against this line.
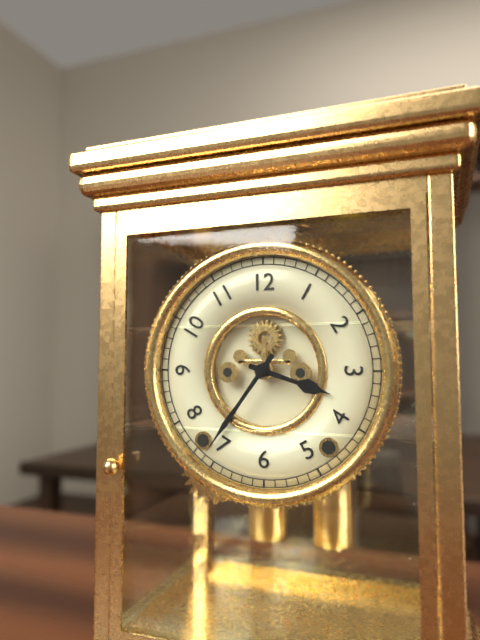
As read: 3h36
